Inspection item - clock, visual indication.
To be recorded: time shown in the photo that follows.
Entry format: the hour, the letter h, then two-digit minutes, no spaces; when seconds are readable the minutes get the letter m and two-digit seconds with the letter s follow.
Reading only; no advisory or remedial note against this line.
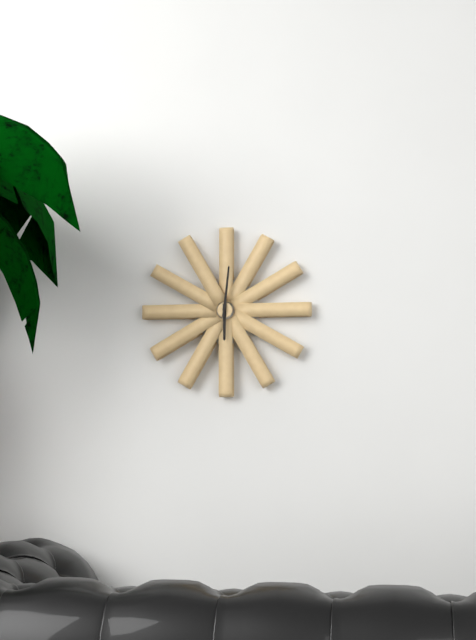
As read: 6h01
